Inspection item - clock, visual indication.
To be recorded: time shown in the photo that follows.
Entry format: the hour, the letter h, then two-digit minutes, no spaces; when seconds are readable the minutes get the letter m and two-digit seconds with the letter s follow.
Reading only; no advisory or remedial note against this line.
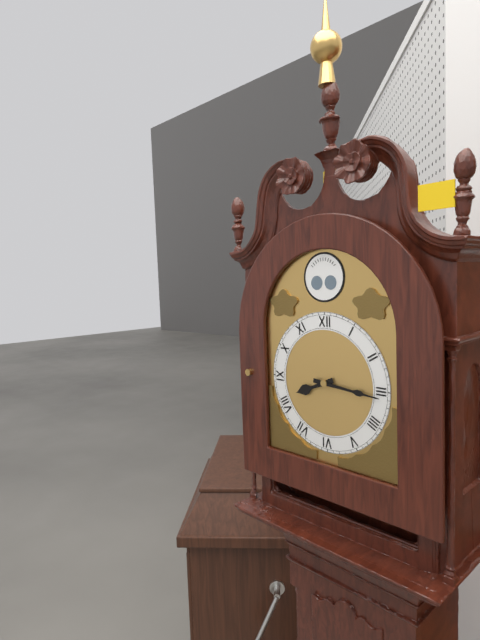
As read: 8h16
